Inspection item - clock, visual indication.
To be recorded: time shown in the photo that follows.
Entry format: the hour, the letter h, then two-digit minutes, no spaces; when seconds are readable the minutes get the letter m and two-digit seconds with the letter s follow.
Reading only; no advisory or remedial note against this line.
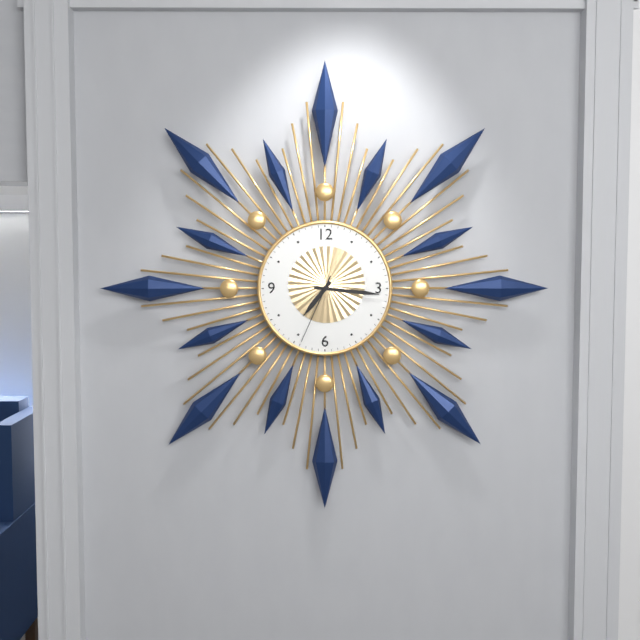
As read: 7h16m34s
